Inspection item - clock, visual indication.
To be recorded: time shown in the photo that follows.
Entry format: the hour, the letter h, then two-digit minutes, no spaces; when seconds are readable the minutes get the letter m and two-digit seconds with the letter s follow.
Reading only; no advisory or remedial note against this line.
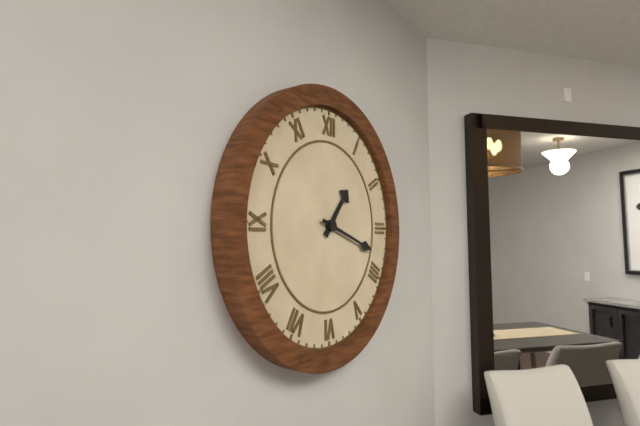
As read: 1h18
